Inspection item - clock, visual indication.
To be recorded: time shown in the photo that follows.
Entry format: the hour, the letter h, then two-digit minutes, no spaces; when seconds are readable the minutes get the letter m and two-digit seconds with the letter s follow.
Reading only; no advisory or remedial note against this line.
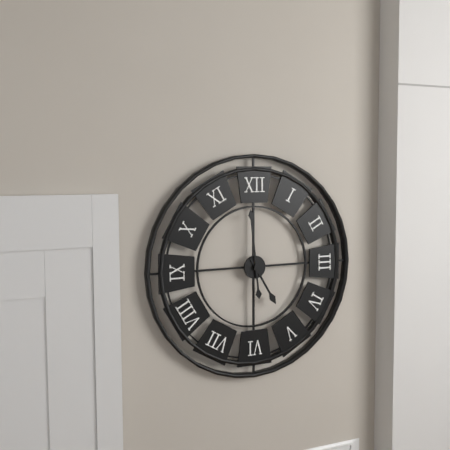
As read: 4h59
